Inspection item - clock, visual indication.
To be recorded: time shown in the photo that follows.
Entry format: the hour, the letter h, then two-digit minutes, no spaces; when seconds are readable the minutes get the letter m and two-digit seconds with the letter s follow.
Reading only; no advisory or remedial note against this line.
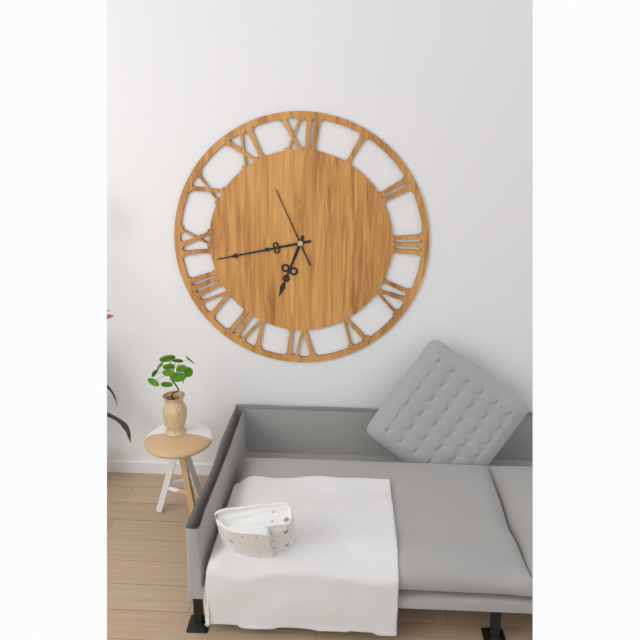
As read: 6h43m56s
